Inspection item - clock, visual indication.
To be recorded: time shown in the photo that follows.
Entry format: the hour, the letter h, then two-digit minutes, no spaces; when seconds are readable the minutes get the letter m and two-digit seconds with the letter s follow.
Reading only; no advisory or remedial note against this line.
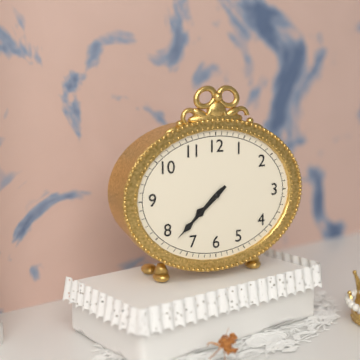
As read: 7h38
